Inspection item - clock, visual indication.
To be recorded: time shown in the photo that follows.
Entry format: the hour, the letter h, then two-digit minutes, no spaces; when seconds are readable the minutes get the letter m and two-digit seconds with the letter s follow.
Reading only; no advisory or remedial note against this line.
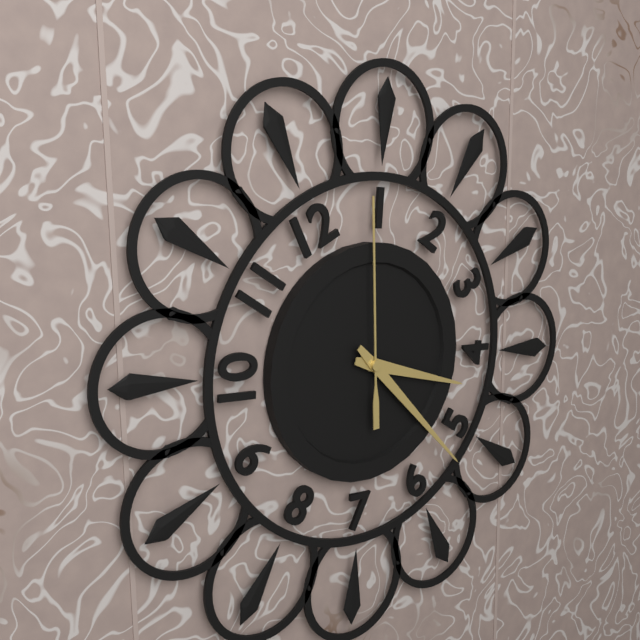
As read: 4h27m04s
